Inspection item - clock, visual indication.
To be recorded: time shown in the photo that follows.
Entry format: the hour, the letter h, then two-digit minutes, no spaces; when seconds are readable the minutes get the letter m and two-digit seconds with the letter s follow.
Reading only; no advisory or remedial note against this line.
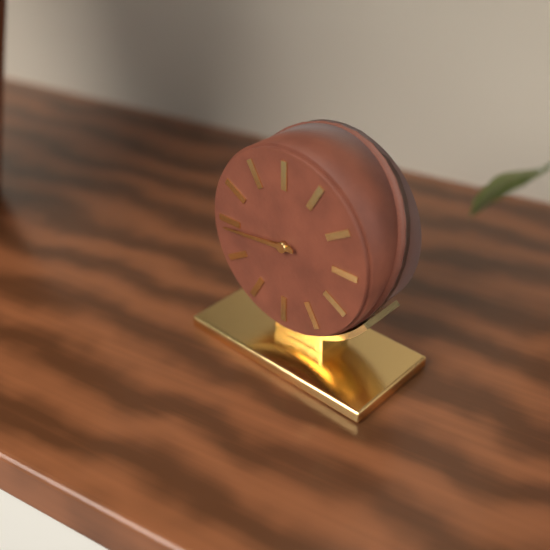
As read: 8h44
